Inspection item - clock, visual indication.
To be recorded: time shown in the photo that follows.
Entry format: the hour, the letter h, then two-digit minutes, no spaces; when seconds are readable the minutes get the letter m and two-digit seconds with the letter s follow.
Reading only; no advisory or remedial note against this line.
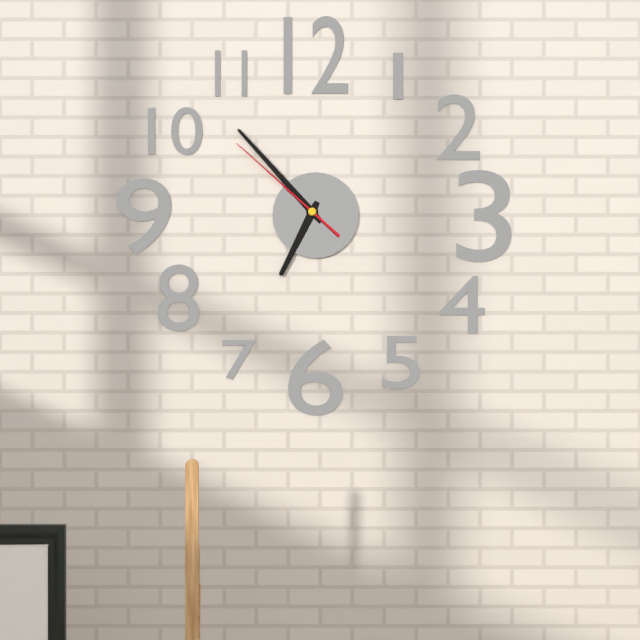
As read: 6h53m52s
